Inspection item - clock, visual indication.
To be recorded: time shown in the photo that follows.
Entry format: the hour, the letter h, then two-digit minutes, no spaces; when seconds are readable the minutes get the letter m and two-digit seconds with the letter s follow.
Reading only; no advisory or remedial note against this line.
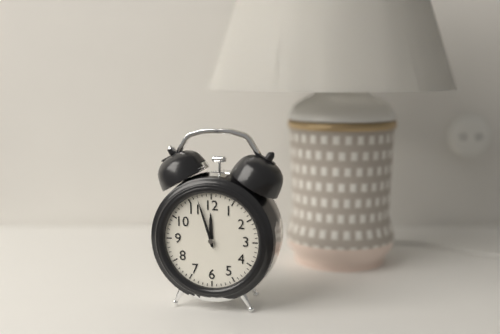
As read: 11h57
